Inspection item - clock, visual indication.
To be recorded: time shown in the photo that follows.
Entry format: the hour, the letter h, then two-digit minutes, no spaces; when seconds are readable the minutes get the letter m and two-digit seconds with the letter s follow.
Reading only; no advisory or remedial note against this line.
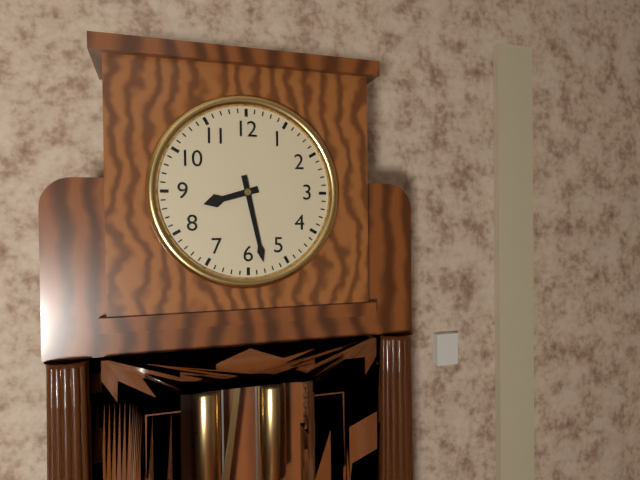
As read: 8h28
